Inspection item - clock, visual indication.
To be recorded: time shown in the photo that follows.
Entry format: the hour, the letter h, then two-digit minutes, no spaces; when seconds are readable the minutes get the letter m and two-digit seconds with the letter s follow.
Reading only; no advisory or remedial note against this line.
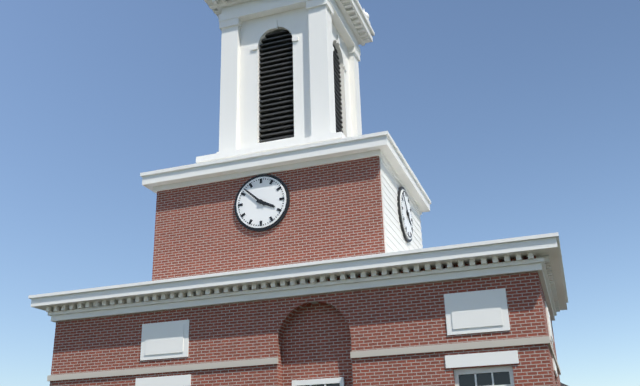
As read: 3h52
